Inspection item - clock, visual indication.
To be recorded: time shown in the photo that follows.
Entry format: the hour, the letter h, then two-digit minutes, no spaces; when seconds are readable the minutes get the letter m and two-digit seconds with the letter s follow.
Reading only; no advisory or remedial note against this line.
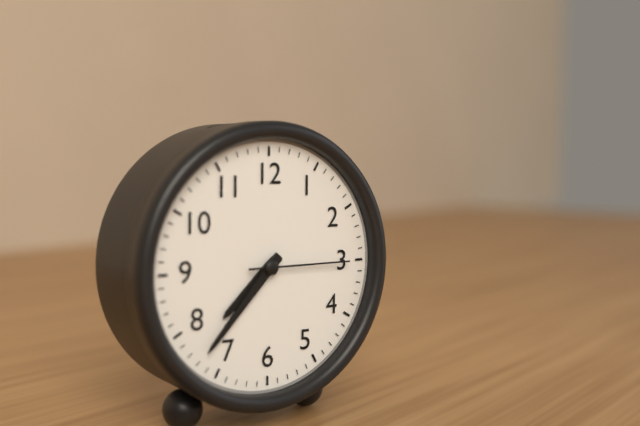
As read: 7h37m15s
